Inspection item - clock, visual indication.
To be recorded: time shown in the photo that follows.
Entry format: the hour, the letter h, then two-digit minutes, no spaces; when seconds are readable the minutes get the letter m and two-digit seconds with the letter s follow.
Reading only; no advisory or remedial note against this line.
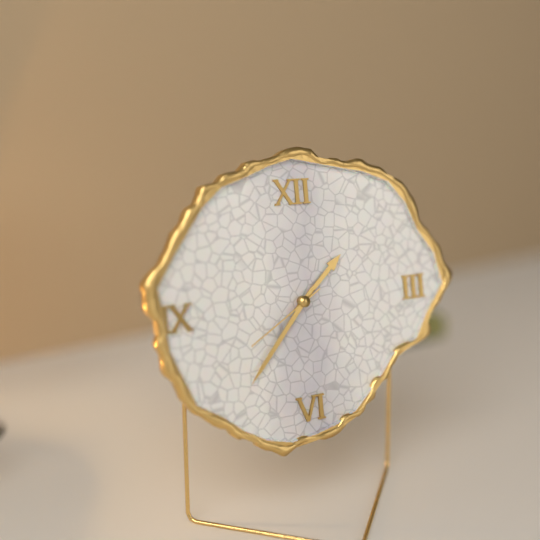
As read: 1h37m40s
